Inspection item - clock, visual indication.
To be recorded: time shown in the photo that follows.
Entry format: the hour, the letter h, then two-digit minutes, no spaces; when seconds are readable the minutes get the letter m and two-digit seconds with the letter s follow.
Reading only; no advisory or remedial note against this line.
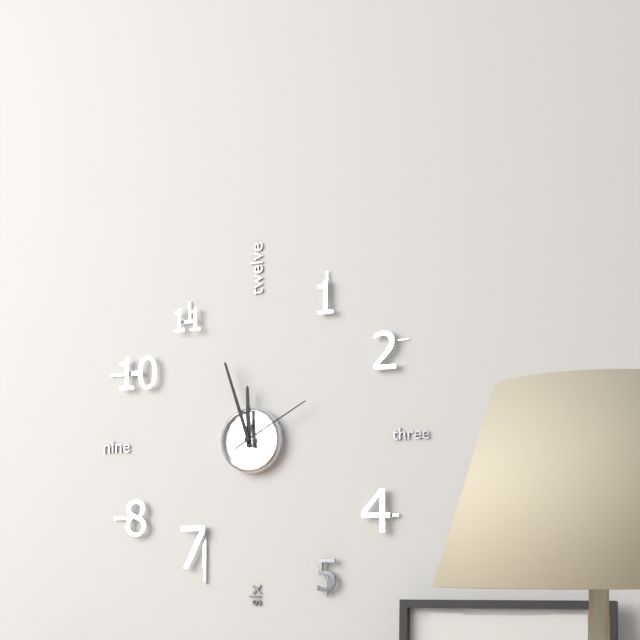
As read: 11h57m10s
